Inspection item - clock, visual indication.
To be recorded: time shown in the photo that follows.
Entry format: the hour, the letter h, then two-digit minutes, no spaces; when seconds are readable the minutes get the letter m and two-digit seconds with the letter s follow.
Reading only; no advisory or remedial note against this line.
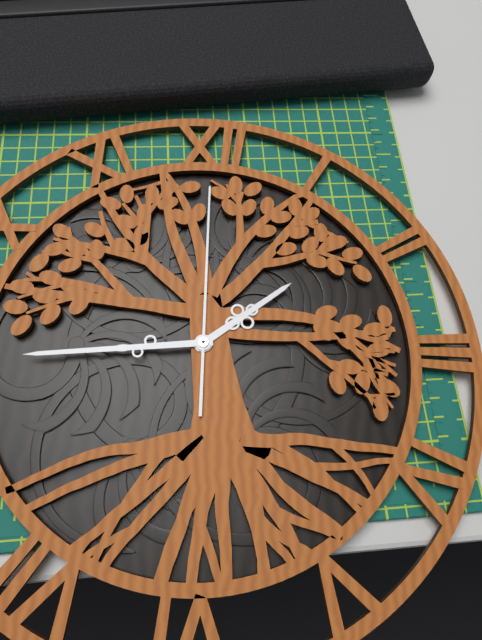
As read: 1h44m00s
